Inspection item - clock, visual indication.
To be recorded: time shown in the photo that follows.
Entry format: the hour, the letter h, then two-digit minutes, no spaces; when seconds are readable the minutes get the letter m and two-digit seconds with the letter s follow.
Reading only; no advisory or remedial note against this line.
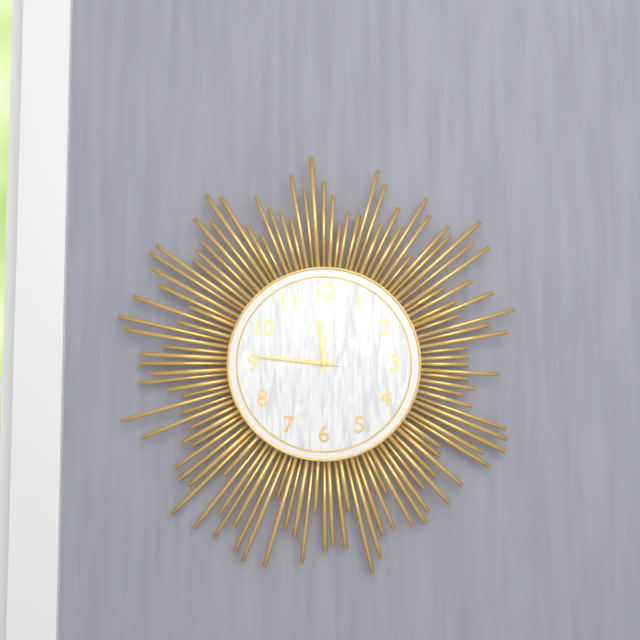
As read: 11h46m46s
